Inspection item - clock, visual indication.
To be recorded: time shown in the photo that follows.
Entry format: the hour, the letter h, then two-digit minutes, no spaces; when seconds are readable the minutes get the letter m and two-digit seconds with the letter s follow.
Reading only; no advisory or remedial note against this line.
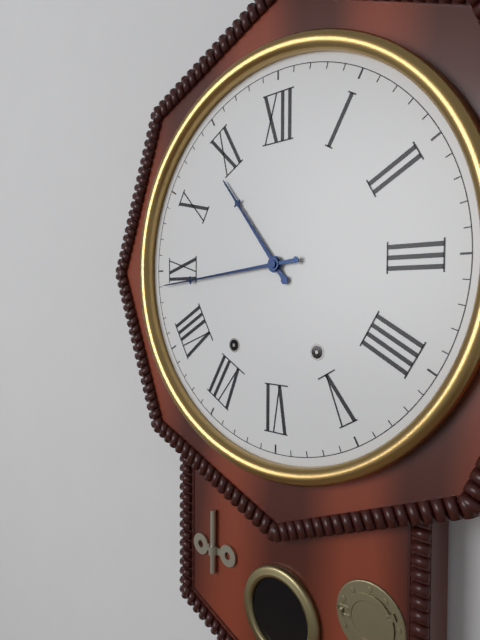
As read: 10h44
